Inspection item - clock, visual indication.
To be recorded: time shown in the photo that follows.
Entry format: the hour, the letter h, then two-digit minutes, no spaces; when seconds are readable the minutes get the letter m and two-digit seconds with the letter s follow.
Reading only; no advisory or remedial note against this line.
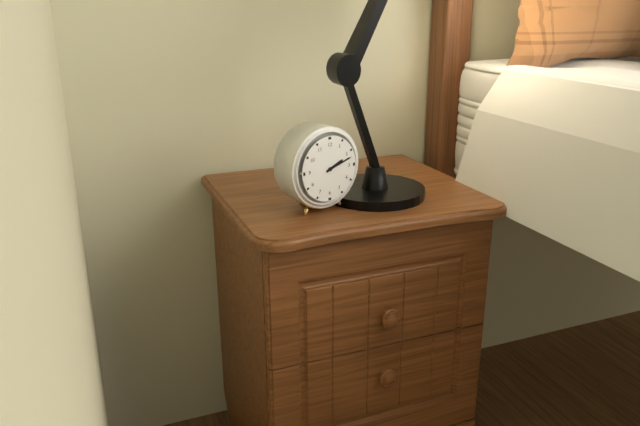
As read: 2h12
